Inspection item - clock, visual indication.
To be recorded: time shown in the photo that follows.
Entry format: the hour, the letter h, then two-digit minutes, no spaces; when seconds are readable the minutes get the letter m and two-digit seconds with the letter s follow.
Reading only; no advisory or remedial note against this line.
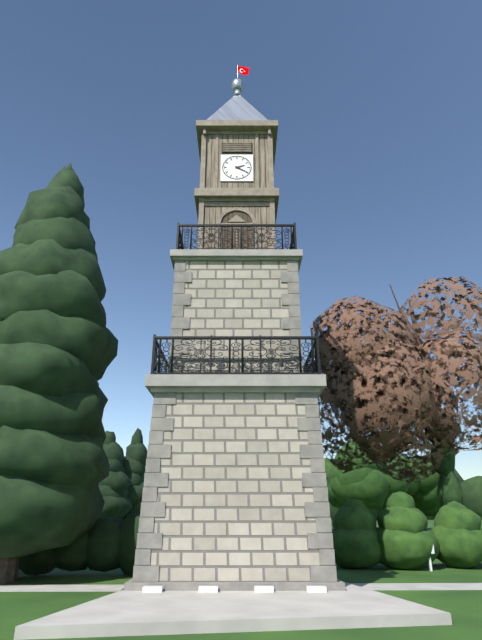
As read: 2h20
